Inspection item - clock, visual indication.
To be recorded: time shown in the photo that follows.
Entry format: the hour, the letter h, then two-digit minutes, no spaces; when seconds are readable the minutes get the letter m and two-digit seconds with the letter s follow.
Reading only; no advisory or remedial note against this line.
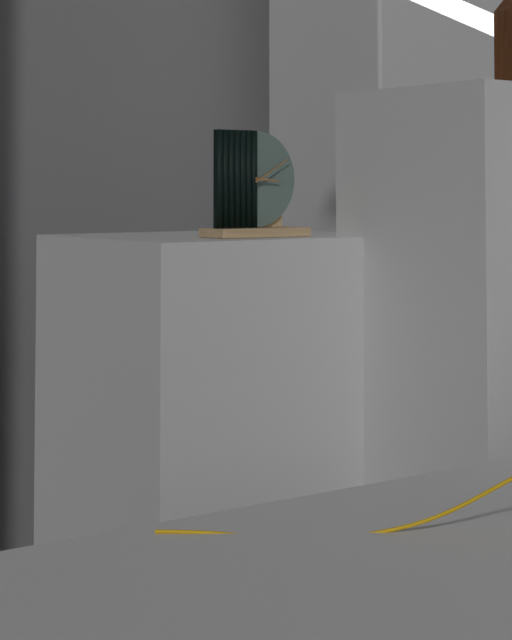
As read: 3h10
